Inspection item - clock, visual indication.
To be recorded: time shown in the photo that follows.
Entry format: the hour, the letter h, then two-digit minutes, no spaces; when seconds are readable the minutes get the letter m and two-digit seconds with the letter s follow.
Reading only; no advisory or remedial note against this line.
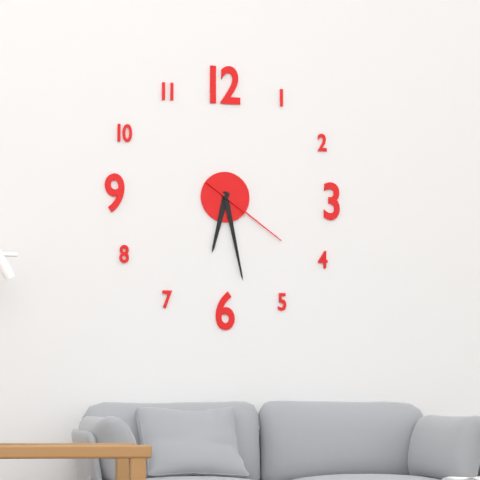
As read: 6h28m21s
